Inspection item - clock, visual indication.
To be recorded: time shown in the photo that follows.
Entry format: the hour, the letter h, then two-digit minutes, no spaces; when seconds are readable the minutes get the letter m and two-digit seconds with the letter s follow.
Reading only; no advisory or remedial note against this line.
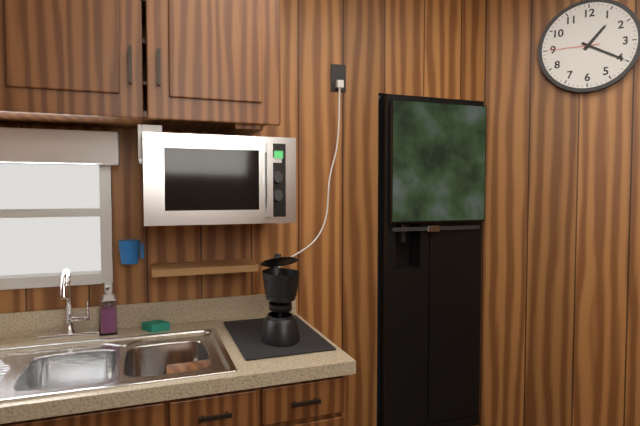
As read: 1h20m45s
